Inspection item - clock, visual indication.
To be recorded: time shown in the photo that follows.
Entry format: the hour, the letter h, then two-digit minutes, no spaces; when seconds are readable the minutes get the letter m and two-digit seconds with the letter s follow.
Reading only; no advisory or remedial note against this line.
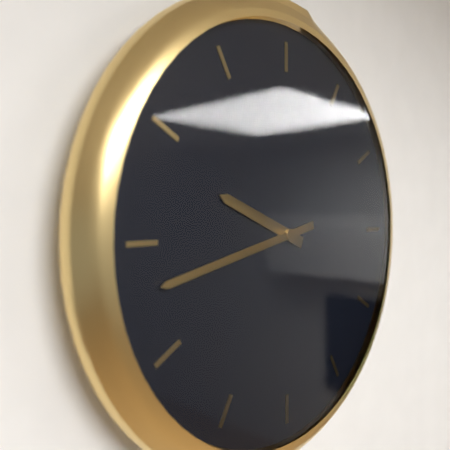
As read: 9h43
